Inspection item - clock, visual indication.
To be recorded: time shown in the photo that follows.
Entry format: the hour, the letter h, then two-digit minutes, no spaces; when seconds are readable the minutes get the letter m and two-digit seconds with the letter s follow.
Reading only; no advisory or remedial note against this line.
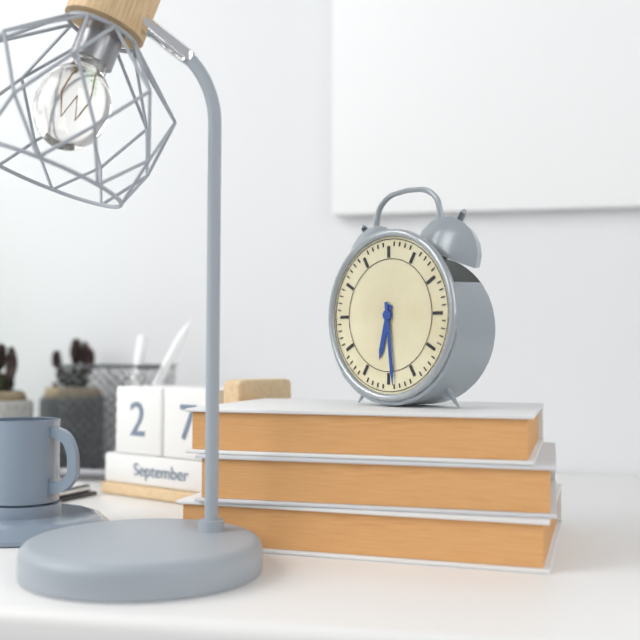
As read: 6h29
